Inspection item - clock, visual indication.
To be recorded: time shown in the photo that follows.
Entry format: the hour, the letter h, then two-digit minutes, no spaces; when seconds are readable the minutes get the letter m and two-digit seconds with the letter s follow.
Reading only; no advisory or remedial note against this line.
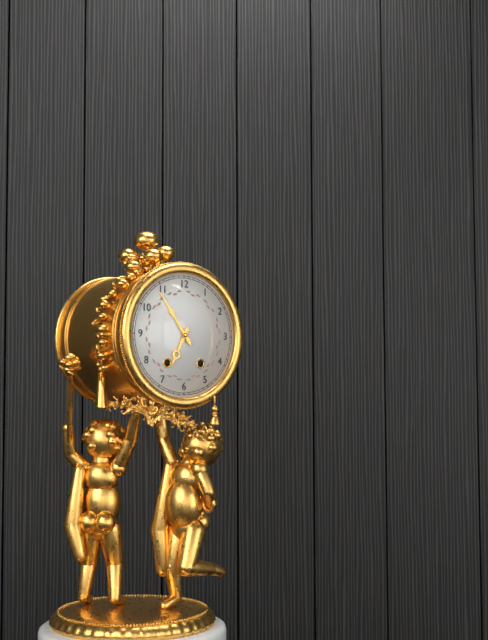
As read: 6h54
